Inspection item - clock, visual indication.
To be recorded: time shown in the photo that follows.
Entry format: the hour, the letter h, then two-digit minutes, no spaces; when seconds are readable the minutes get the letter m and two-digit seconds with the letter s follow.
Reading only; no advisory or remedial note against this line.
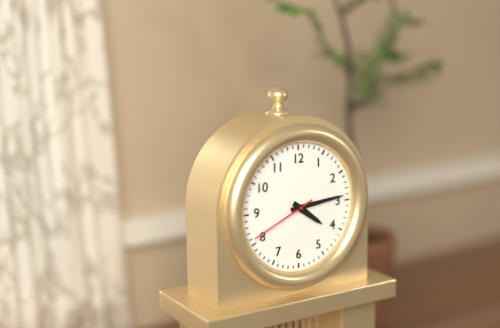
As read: 4h14m41s
